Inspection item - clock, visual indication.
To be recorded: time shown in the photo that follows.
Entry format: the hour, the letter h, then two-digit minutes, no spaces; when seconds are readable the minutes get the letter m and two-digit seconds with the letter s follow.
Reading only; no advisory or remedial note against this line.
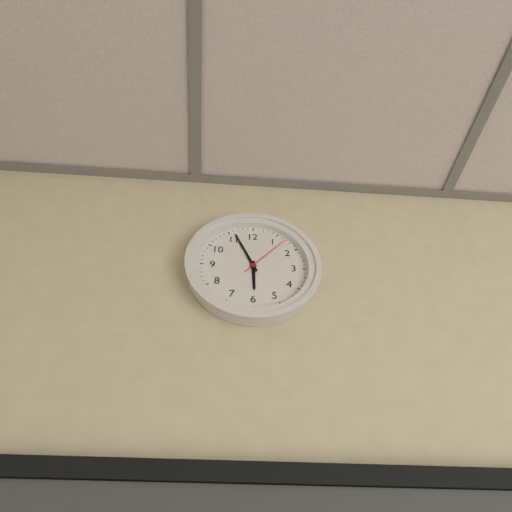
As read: 5h56m07s
